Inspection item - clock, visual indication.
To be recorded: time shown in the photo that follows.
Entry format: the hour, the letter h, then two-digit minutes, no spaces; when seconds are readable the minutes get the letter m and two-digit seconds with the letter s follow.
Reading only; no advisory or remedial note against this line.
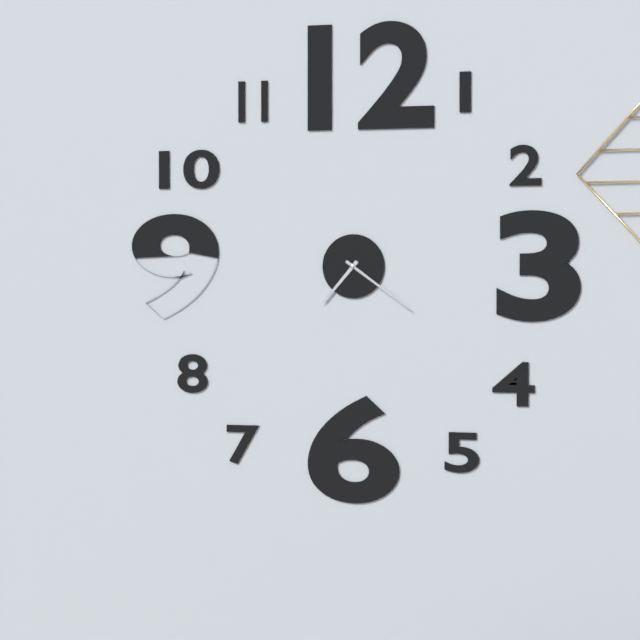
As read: 7h21
